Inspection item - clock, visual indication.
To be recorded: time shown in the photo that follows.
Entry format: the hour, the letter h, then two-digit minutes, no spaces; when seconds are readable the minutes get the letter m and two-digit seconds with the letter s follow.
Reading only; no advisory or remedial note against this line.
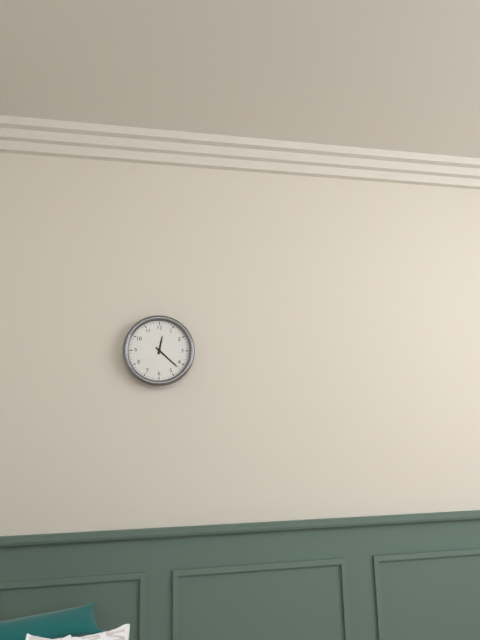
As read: 12h22
